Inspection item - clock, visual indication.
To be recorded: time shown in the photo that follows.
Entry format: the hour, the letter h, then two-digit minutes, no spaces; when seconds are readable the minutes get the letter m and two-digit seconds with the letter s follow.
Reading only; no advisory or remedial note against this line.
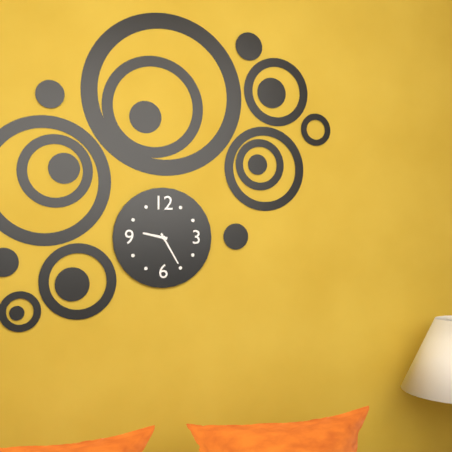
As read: 9h25
